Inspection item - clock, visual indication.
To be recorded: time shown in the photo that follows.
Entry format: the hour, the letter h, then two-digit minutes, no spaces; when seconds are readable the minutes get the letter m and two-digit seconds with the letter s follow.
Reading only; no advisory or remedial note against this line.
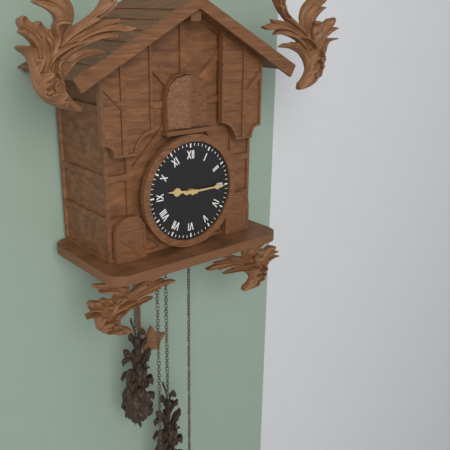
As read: 9h15
